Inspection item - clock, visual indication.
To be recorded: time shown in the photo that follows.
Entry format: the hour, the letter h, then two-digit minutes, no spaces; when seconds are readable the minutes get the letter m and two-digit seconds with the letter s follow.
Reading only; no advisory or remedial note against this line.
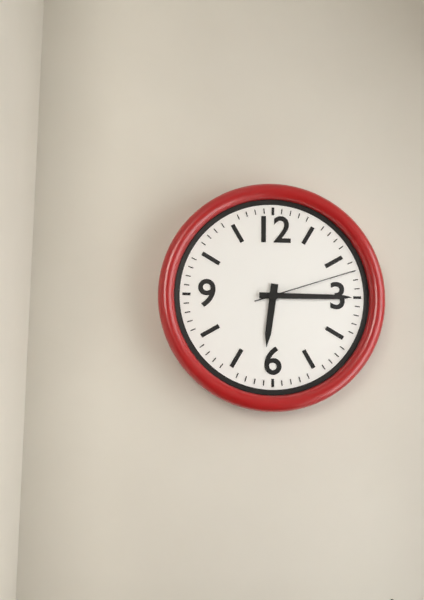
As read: 6h15m12s
